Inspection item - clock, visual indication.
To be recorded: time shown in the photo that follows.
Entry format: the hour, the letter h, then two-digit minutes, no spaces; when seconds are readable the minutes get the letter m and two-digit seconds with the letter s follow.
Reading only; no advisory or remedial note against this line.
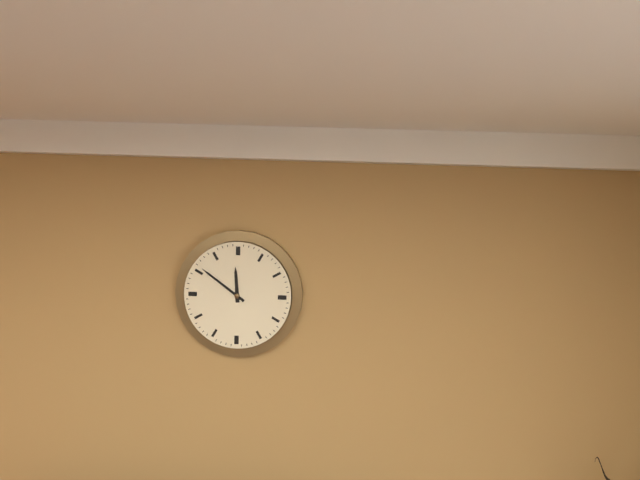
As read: 11h51
